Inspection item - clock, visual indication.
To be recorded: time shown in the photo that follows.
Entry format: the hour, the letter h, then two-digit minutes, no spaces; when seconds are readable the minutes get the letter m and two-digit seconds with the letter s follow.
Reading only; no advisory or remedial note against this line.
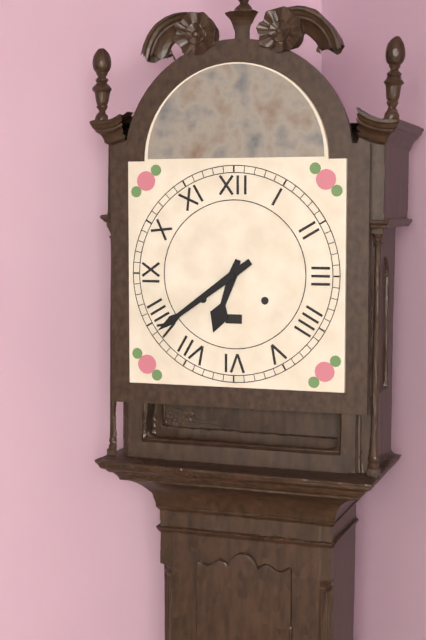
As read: 6h39
